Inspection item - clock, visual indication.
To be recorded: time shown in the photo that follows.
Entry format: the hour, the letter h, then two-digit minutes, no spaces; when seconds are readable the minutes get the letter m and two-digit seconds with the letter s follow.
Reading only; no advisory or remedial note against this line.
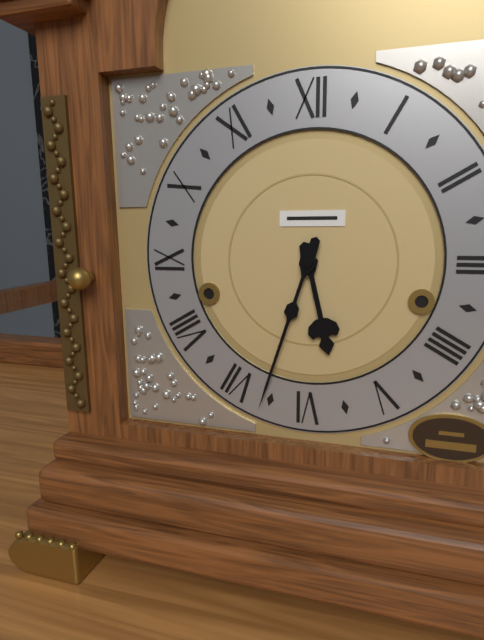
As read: 5h33
